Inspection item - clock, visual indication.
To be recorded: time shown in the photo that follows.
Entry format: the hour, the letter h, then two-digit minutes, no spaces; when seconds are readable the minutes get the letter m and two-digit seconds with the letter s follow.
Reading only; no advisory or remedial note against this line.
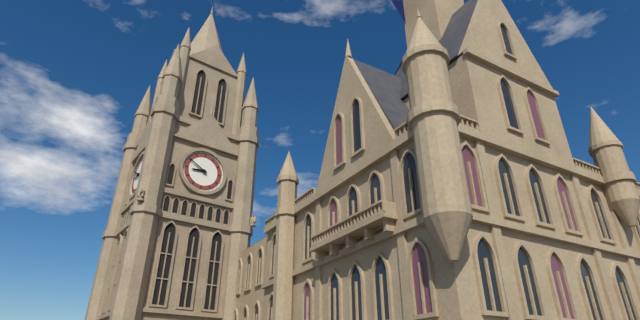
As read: 8h50
